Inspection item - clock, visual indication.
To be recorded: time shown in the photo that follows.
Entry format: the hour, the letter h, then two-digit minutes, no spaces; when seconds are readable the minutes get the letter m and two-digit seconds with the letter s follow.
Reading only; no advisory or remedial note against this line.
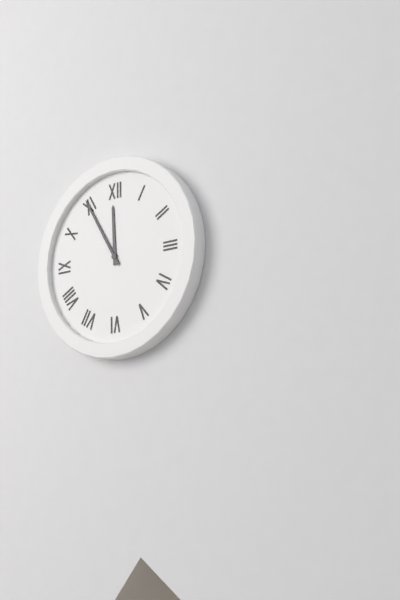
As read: 11h55
